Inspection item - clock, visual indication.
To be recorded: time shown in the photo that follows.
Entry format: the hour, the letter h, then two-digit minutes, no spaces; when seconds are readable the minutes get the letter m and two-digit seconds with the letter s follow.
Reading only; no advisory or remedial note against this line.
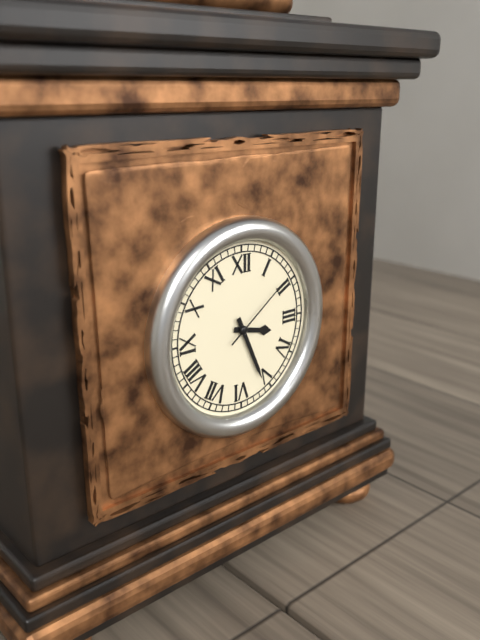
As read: 3h26m09s
